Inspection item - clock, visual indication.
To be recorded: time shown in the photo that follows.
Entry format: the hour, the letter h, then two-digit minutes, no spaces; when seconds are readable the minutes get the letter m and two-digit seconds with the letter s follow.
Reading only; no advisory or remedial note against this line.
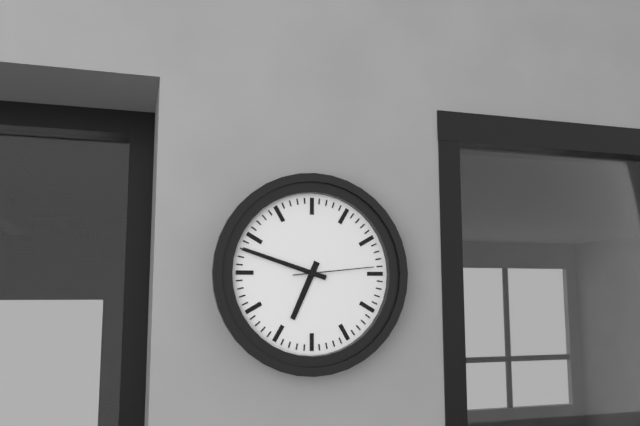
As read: 6h48m14s
